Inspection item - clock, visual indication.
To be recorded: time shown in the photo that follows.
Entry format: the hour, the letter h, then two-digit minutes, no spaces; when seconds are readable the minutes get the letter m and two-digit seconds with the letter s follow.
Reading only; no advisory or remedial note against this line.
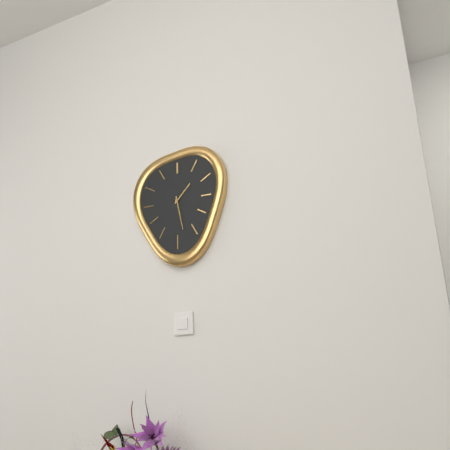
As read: 1h28
